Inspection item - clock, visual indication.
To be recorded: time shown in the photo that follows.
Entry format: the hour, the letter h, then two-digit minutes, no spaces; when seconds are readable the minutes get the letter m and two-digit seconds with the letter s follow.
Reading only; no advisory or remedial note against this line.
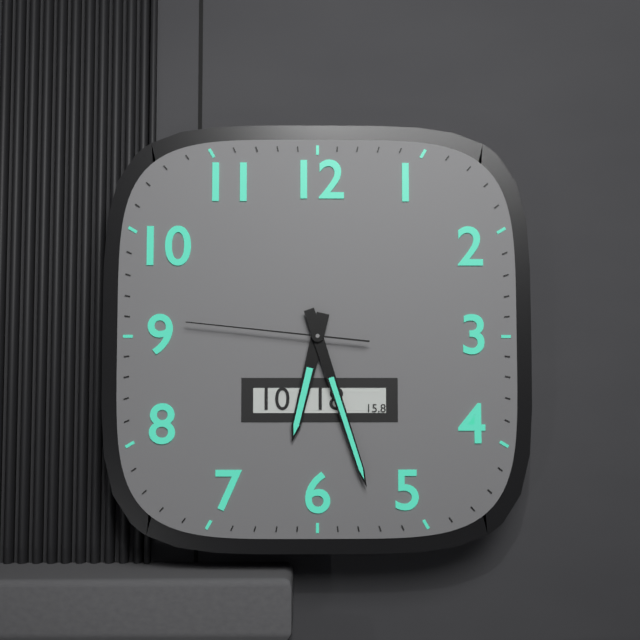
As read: 6h27m46s
